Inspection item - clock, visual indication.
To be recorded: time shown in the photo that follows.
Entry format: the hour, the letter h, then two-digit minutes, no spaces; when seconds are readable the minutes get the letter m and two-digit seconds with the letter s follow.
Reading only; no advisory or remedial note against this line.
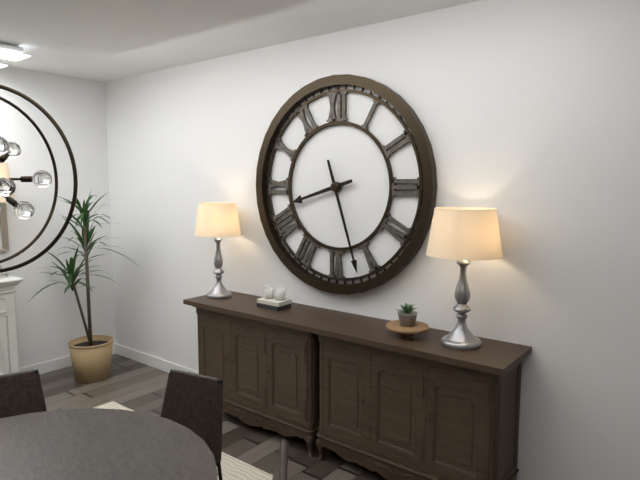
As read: 8h27
